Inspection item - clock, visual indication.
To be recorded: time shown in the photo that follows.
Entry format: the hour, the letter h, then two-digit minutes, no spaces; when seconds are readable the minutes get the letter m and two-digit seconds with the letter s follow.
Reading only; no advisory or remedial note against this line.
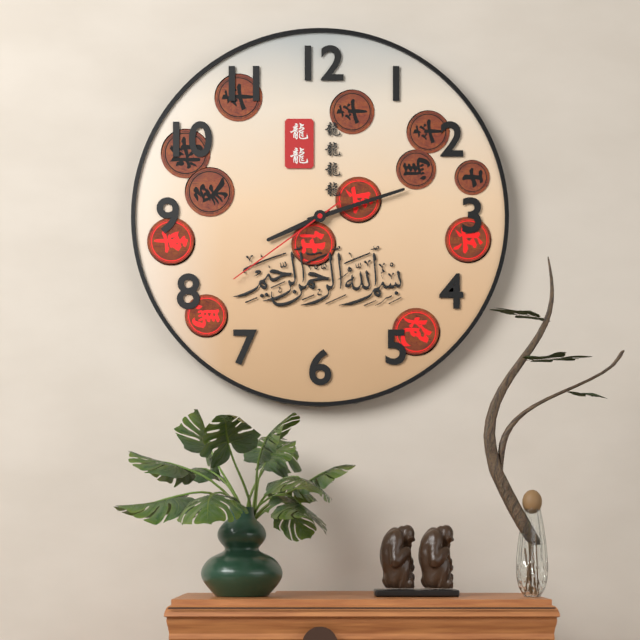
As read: 8h12m39s
